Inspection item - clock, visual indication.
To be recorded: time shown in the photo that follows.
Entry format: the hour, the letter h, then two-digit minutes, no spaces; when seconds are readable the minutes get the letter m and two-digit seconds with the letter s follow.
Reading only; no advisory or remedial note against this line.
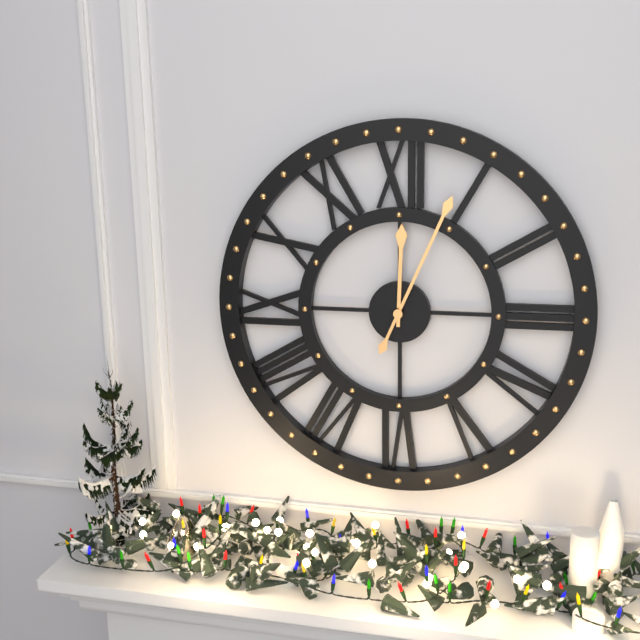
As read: 12h04
